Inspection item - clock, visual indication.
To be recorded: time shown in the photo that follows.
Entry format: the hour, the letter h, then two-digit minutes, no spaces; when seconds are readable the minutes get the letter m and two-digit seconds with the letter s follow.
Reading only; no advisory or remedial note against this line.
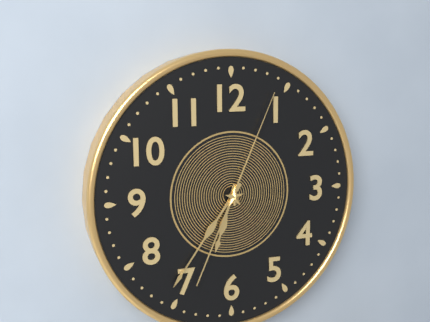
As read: 6h36m04s
